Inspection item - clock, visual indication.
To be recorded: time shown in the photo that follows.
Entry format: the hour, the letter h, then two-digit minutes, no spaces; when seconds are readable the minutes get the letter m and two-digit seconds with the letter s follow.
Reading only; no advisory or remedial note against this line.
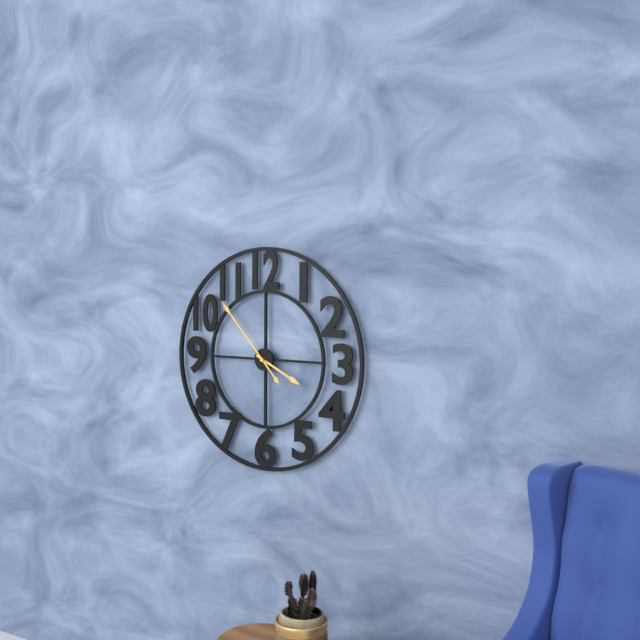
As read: 3h53
